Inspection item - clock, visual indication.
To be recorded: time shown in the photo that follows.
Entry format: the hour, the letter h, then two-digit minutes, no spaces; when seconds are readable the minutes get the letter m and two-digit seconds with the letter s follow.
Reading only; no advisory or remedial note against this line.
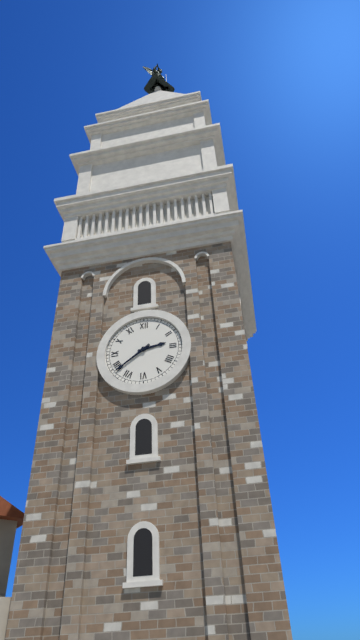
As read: 2h39
